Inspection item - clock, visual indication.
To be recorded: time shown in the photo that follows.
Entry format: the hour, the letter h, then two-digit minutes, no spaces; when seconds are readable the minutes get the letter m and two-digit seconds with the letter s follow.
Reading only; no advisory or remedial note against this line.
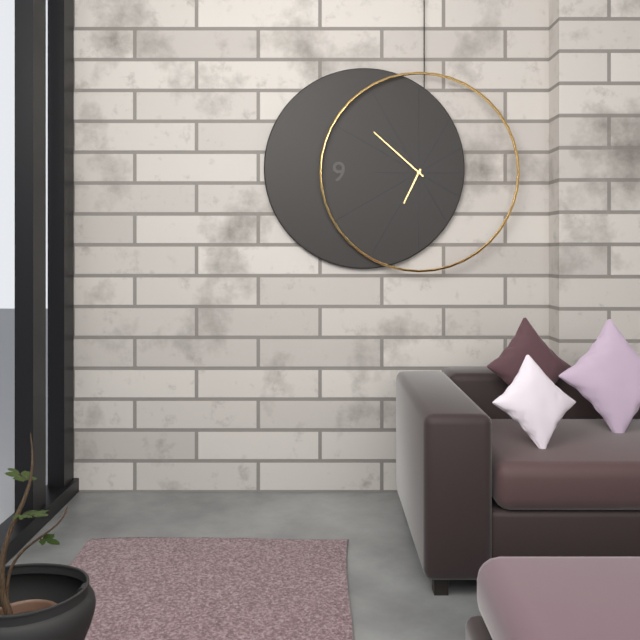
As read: 6h52
